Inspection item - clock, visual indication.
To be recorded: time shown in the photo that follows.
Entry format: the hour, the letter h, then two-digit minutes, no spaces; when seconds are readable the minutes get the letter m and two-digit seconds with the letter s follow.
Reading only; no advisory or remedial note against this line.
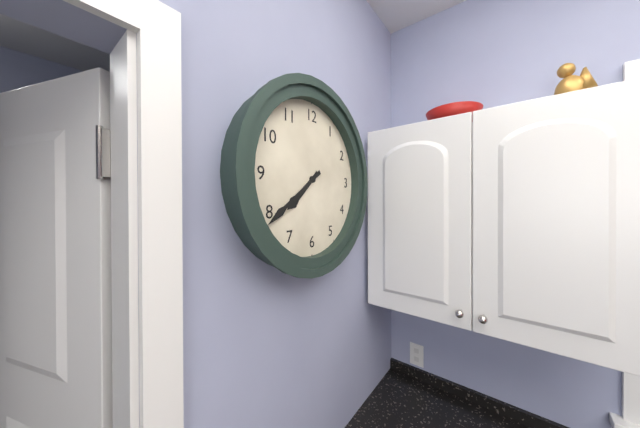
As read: 7h39
